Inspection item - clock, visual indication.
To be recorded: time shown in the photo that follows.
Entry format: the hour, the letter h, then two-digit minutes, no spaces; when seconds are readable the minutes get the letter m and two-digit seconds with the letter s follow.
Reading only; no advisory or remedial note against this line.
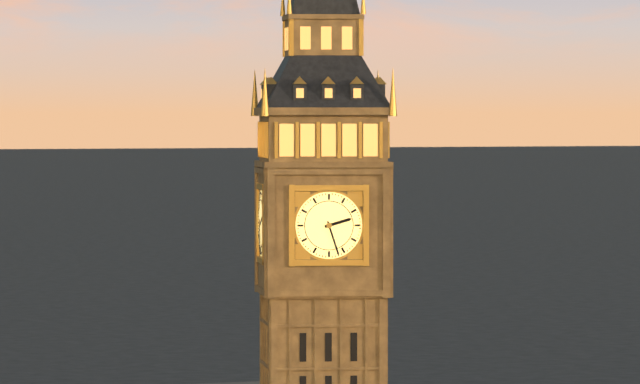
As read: 2h27
